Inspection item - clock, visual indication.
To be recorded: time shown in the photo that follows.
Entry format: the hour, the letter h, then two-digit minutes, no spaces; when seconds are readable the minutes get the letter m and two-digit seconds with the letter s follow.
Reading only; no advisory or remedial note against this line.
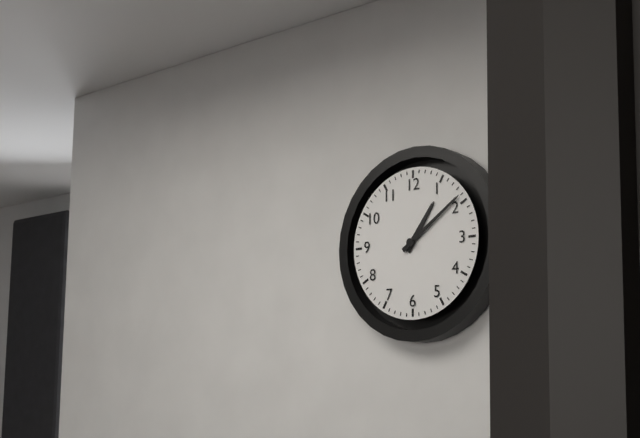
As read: 1h09
